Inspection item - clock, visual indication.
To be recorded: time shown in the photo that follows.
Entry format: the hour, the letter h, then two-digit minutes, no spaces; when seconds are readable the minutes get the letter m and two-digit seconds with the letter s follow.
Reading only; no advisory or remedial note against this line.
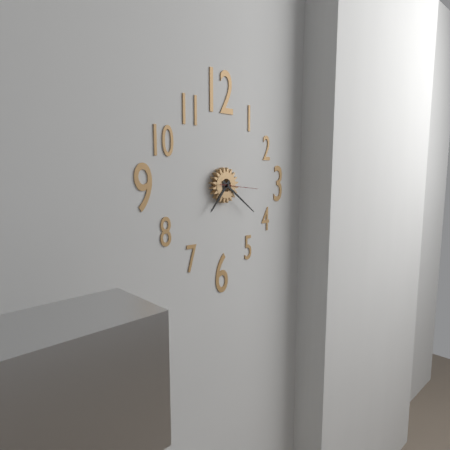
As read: 7h21
